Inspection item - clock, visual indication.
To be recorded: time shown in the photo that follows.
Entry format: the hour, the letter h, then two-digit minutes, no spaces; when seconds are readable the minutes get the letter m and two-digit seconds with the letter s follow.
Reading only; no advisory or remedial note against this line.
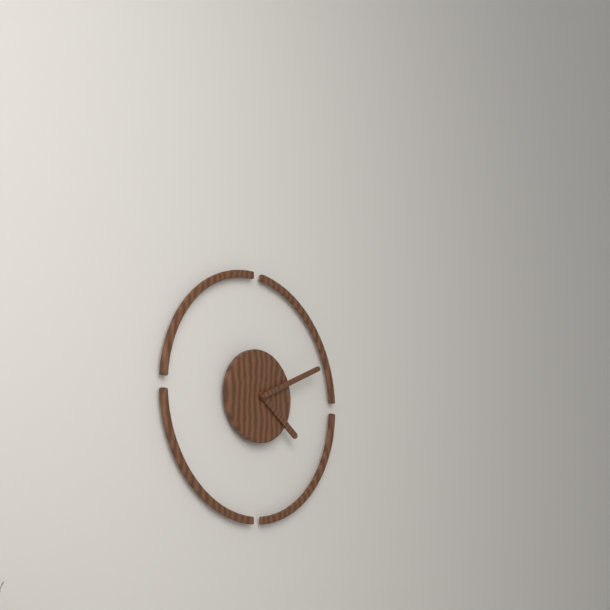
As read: 4h11
